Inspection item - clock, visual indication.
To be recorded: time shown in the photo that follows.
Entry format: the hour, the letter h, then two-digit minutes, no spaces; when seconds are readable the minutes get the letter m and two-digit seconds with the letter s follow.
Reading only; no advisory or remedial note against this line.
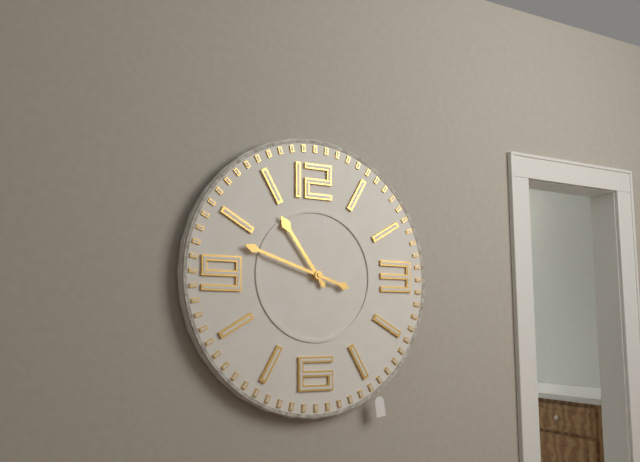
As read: 10h48
